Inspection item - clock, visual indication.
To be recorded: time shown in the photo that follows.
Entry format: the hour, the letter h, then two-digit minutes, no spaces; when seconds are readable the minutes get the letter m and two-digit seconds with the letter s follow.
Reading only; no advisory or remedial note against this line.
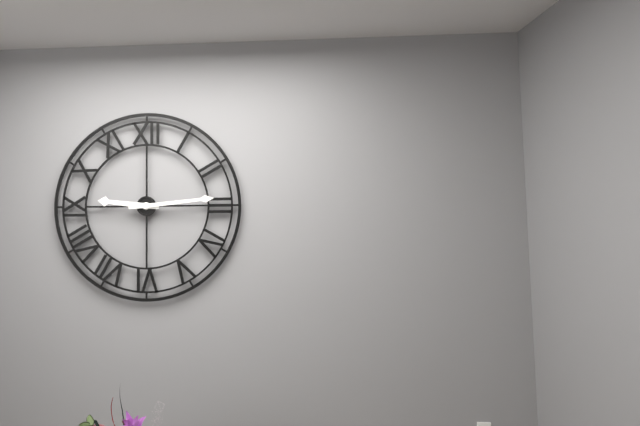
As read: 9h14
